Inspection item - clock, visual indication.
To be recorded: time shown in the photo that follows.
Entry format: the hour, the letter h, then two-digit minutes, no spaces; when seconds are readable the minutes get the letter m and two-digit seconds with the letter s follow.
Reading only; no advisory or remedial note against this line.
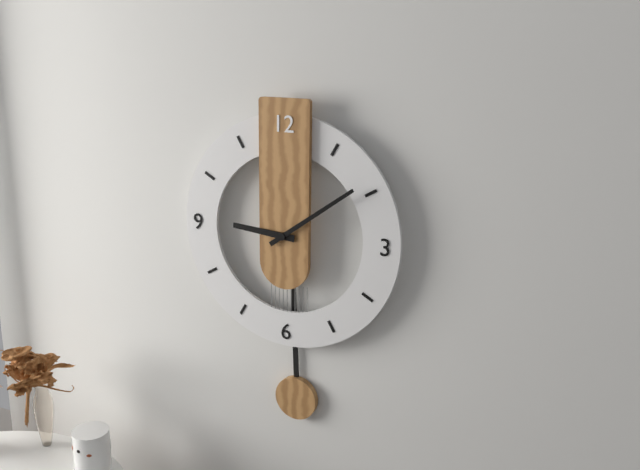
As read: 9h09
